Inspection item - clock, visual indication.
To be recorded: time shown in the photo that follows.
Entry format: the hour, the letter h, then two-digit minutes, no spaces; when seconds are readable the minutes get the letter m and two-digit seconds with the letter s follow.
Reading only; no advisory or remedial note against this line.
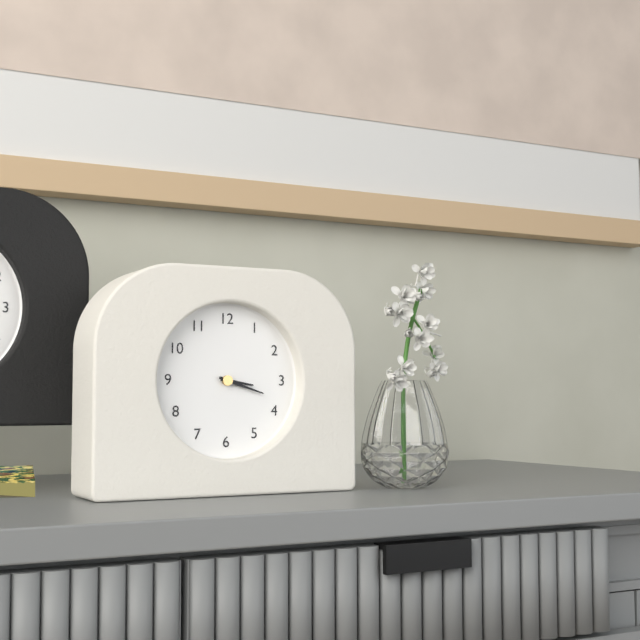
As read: 3h18
